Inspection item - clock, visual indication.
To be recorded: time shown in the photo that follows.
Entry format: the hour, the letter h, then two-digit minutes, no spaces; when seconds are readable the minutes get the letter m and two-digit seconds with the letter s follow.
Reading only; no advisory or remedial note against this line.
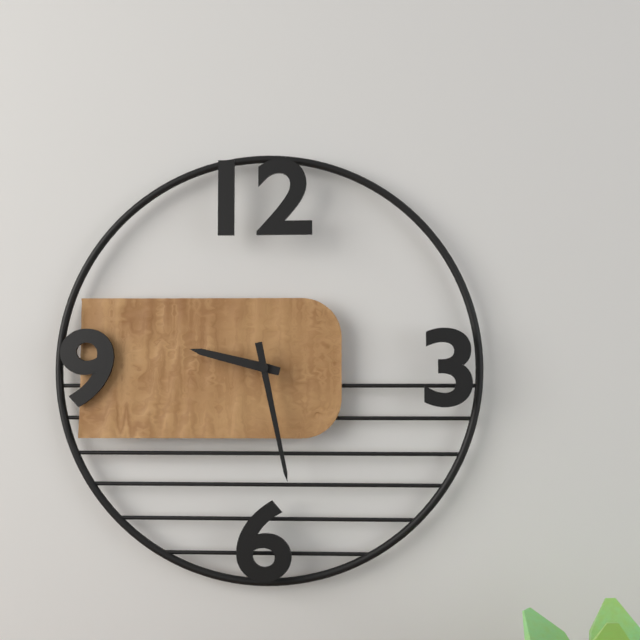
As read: 9h28
